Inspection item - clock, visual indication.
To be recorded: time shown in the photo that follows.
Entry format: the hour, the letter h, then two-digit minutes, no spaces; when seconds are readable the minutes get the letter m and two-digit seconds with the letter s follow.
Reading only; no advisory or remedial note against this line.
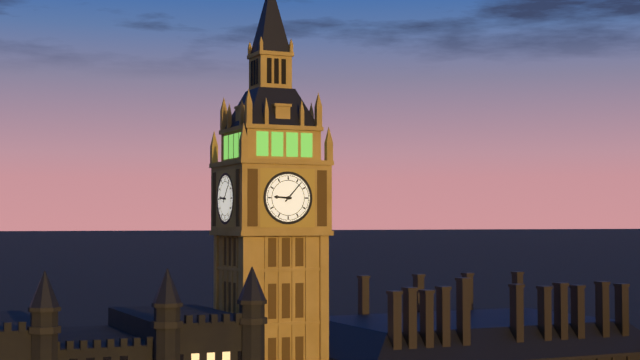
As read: 9h07
